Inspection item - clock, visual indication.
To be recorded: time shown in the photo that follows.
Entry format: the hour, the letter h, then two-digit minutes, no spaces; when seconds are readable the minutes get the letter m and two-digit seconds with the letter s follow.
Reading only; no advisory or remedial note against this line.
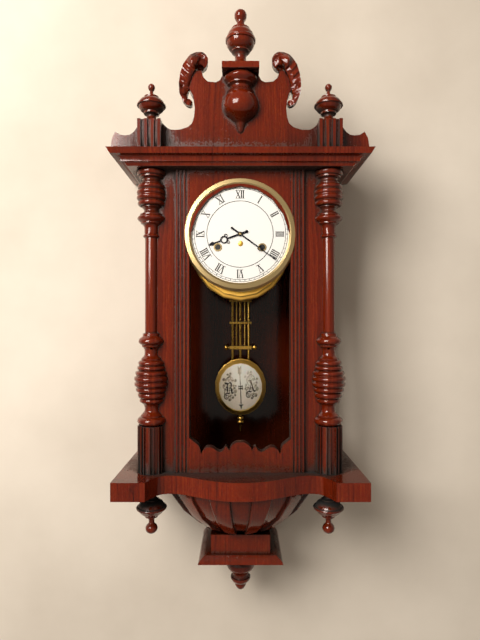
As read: 8h21
